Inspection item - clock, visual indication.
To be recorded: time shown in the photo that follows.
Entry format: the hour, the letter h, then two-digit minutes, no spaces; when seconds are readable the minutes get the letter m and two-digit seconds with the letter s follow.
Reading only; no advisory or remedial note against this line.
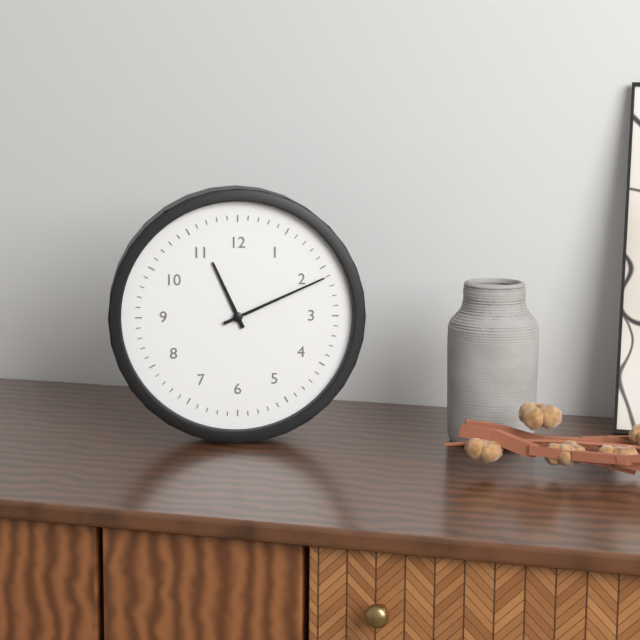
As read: 11h11
